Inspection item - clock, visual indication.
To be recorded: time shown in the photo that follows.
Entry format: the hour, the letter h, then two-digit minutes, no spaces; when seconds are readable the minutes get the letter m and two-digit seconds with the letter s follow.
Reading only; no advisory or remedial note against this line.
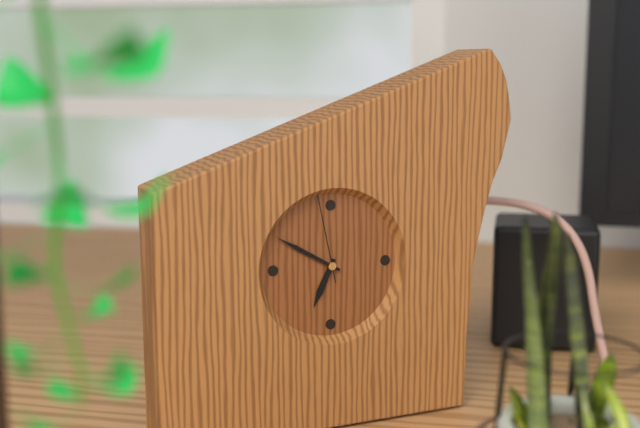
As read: 6h50m58s
